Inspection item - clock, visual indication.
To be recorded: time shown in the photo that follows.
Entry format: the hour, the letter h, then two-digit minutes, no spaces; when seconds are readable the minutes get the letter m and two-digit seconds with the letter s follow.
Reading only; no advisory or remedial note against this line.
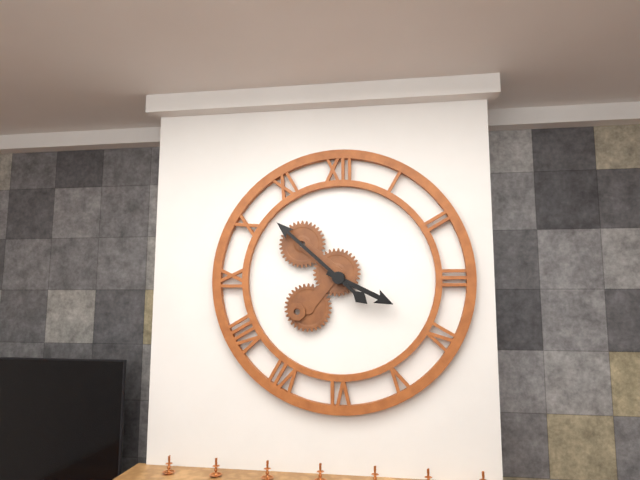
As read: 3h52
